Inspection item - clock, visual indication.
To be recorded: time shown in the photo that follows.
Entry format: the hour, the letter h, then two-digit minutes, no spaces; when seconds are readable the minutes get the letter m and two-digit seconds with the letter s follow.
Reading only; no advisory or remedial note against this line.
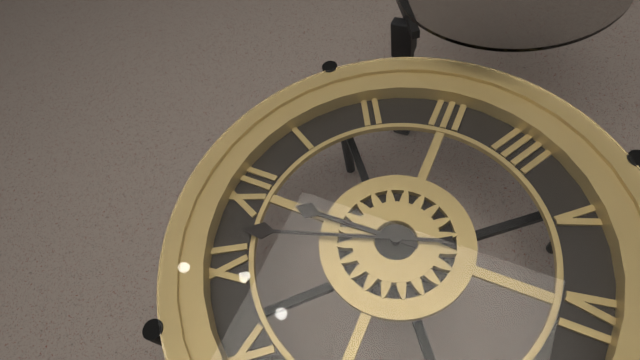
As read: 11h57
